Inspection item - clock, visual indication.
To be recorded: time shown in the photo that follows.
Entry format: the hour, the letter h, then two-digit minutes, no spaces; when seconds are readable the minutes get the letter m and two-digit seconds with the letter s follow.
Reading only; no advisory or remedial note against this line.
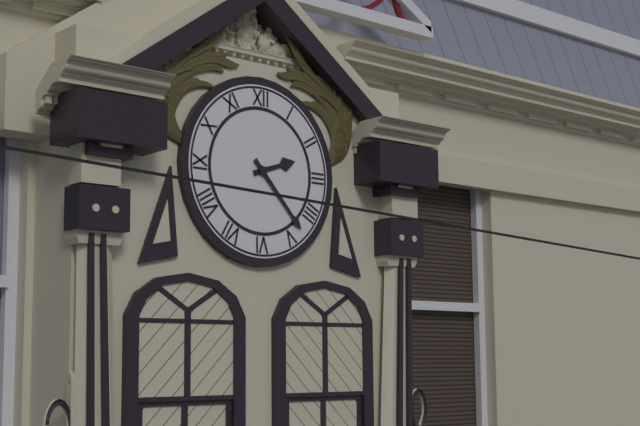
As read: 2h23
